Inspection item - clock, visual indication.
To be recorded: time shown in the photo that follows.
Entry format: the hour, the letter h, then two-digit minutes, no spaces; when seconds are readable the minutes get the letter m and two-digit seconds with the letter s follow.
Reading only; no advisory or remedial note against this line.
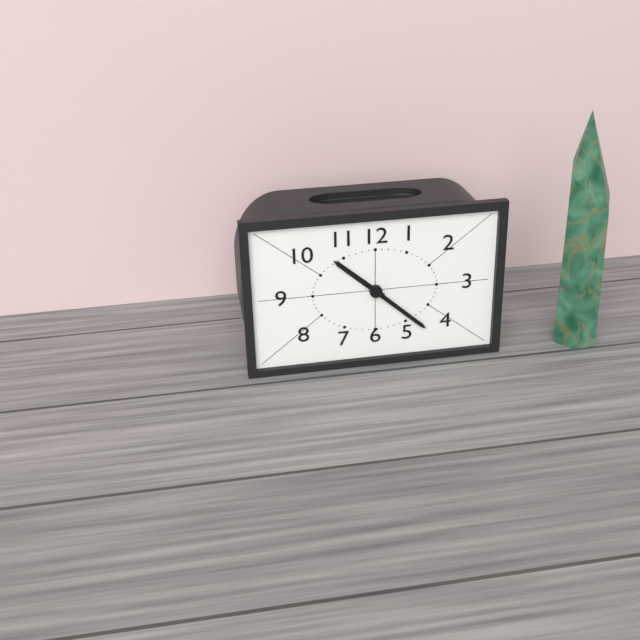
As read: 10h22
